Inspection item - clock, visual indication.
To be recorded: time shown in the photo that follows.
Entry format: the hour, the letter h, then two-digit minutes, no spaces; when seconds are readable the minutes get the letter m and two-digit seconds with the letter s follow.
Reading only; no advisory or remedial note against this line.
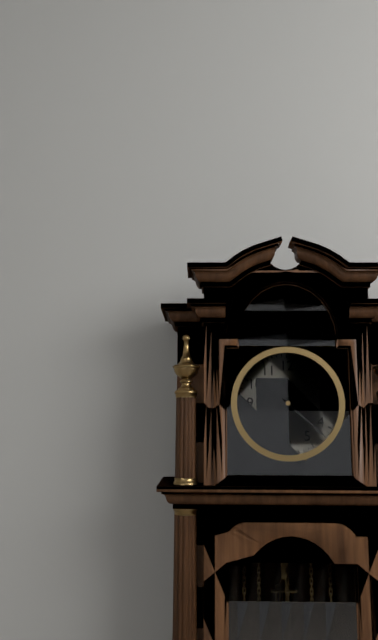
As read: 3h22
